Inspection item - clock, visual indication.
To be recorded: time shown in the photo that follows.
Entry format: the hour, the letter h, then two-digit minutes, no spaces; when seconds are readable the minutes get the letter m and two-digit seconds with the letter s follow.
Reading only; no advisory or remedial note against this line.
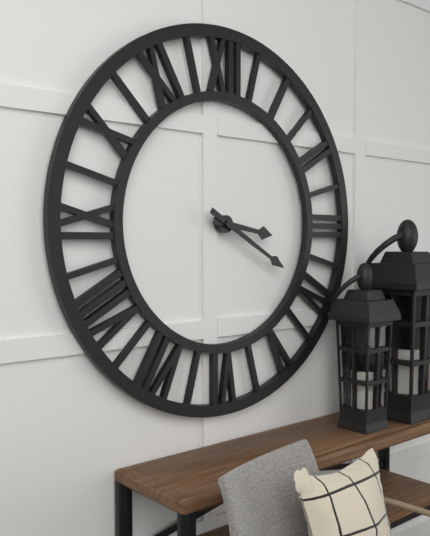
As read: 3h20
